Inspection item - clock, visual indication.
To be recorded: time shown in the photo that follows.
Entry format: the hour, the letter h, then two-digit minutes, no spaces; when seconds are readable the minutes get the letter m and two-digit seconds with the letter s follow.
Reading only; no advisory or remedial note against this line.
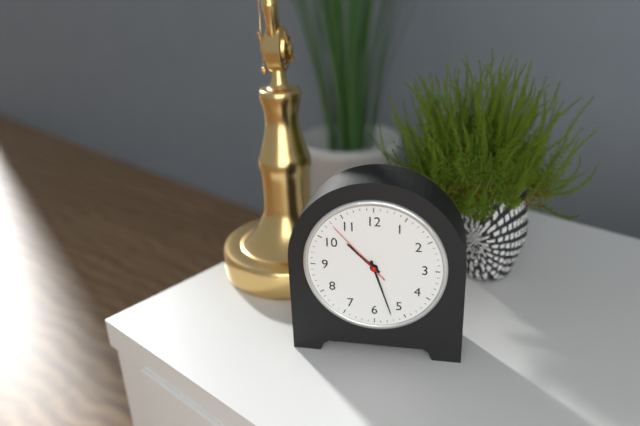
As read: 10h27m53s
